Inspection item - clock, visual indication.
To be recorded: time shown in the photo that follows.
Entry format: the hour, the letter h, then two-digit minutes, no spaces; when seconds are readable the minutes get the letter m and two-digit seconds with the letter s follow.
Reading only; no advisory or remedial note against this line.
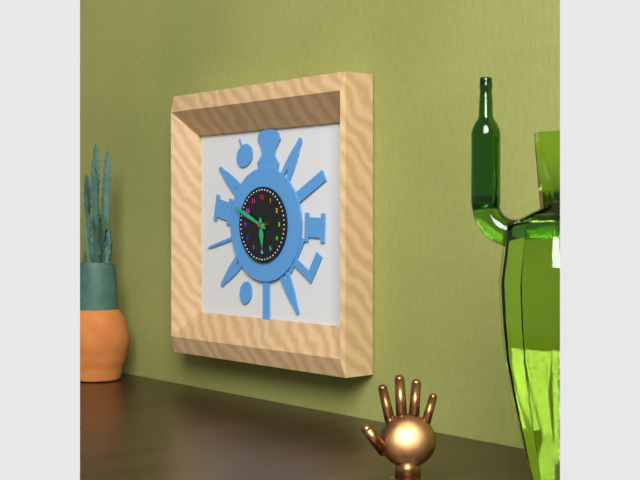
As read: 5h49
